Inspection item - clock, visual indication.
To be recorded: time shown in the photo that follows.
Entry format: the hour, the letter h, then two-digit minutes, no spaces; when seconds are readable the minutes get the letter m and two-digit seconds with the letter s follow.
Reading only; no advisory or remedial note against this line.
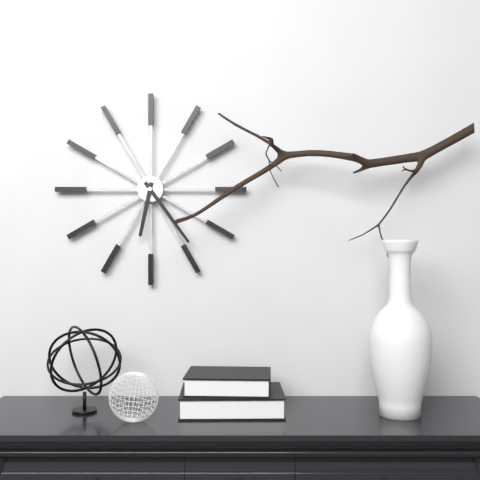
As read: 6h24
